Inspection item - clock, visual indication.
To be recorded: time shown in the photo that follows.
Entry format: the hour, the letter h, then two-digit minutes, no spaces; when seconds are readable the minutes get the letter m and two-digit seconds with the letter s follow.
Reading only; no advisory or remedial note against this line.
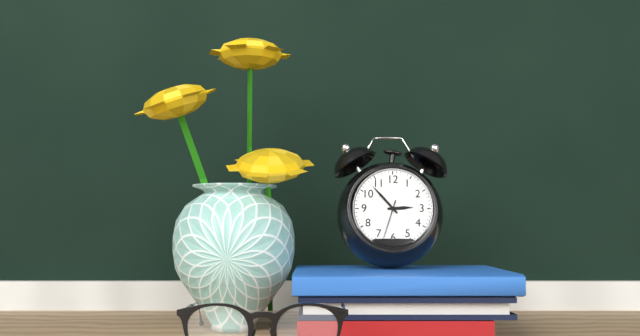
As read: 2h53
